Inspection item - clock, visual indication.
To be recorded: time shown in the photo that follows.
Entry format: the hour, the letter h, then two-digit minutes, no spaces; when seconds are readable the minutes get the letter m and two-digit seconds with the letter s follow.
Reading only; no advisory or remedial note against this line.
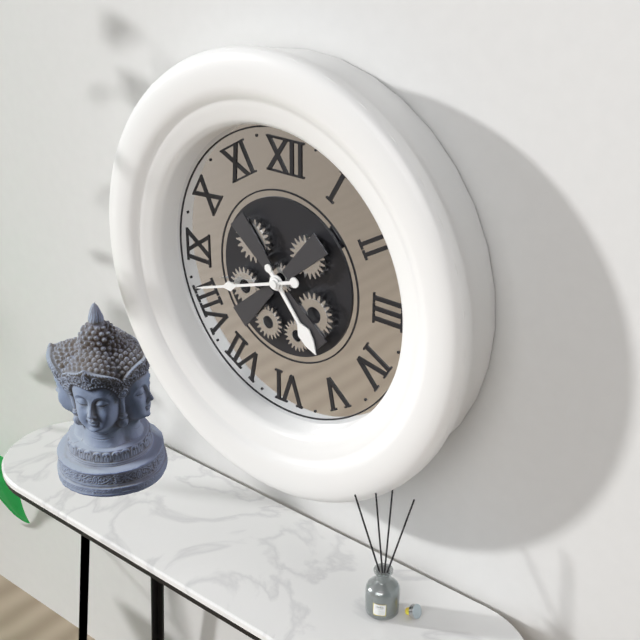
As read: 4h42
